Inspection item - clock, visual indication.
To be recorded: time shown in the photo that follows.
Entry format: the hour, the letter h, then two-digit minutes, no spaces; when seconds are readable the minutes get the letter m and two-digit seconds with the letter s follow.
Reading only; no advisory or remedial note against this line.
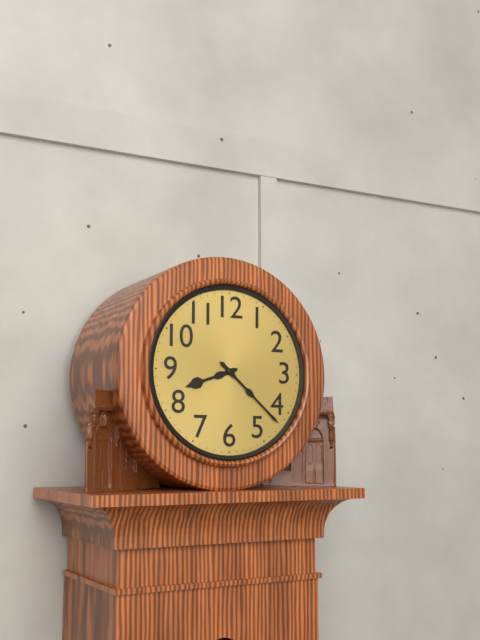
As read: 8h22
